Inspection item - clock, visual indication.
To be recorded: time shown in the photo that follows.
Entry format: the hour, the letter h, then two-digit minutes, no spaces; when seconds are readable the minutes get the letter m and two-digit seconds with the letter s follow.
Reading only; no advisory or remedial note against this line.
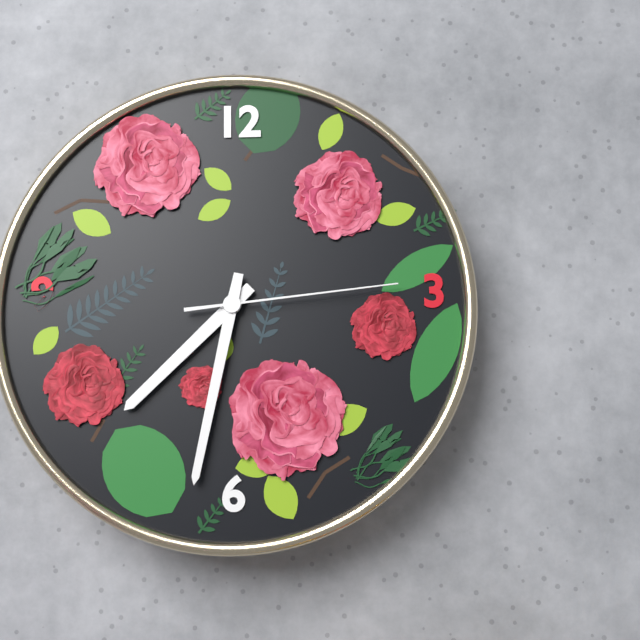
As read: 7h32m14s
